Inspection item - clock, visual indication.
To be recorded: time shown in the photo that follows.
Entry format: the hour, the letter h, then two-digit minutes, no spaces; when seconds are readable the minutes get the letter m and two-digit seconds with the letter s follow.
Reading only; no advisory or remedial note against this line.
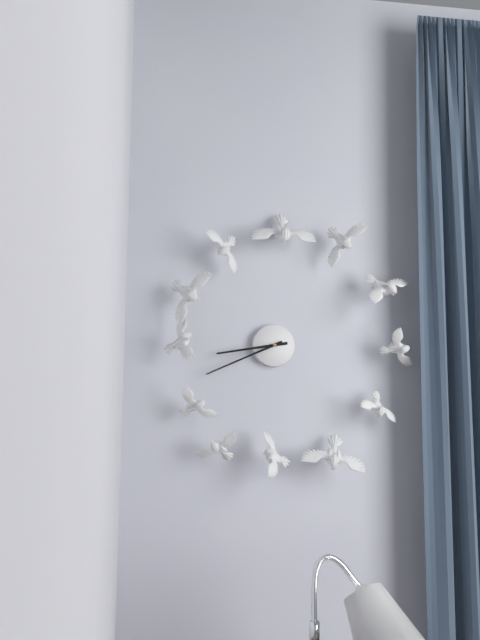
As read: 8h41
